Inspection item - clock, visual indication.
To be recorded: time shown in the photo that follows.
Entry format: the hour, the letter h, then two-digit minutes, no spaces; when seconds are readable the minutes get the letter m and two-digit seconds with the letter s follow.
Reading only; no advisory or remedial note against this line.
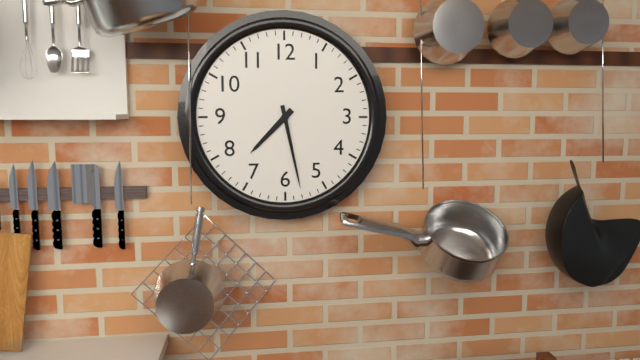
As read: 7h28
